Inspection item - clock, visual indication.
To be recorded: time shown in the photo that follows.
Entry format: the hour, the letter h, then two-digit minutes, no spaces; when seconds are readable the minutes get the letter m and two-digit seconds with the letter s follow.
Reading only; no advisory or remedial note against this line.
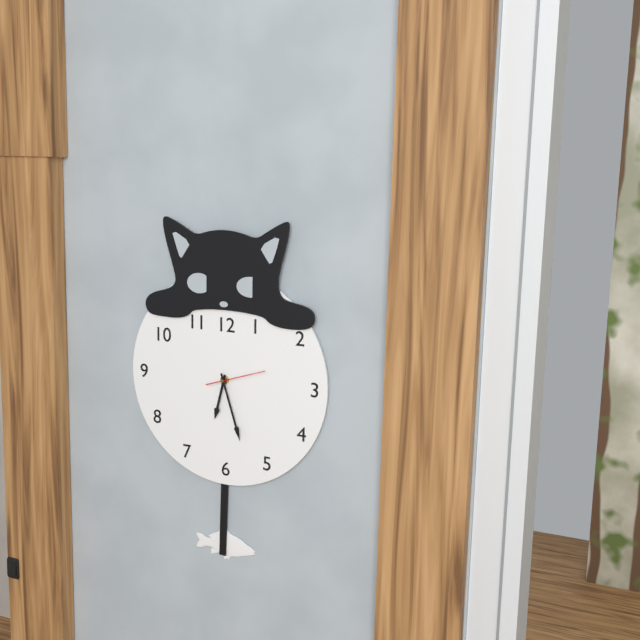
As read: 6h27
